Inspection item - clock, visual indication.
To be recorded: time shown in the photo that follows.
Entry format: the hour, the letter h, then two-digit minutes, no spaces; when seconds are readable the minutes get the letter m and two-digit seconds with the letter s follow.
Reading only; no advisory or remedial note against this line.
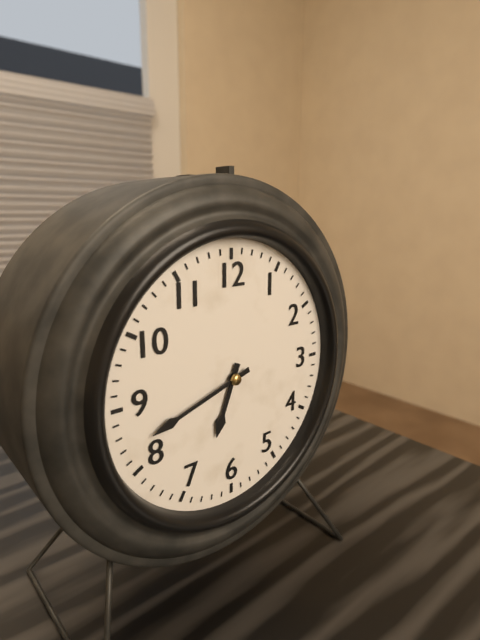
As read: 6h42
